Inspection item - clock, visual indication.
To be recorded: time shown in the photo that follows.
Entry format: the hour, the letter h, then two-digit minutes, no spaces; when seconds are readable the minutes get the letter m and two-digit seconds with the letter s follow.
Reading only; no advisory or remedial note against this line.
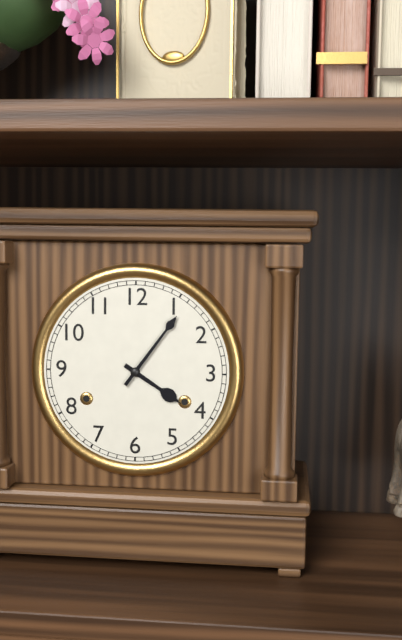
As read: 4h06
